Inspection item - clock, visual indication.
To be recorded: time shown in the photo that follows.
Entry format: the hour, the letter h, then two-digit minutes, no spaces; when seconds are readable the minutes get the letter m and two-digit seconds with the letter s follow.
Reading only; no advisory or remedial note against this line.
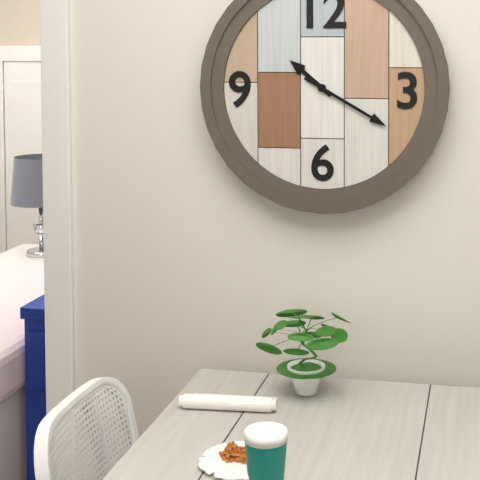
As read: 10h20
